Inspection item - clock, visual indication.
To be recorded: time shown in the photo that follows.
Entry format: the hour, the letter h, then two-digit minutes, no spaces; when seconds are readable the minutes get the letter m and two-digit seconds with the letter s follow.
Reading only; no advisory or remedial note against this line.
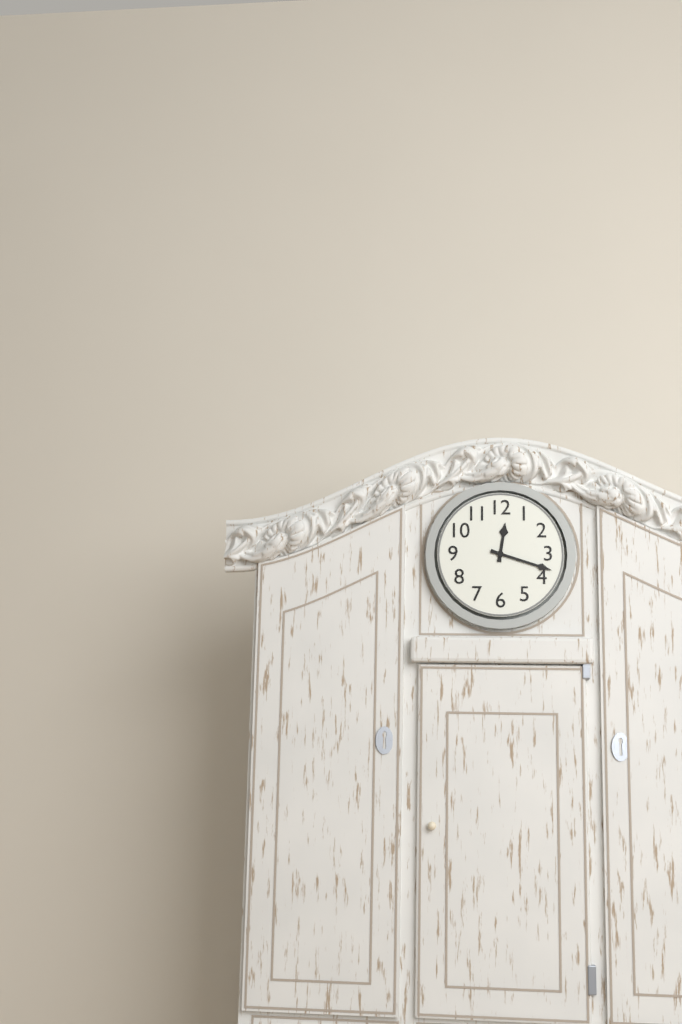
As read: 12h18
